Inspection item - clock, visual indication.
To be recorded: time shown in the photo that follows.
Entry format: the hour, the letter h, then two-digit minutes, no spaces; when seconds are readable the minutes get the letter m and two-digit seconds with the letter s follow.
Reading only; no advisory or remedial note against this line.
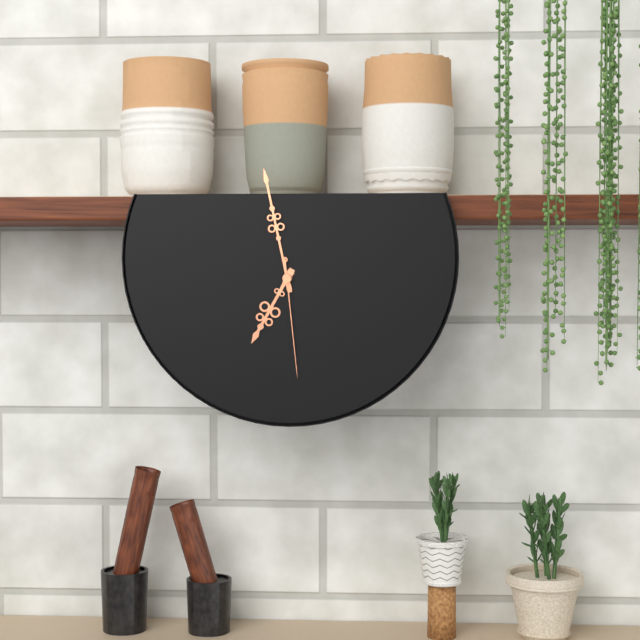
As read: 6h58m29s
